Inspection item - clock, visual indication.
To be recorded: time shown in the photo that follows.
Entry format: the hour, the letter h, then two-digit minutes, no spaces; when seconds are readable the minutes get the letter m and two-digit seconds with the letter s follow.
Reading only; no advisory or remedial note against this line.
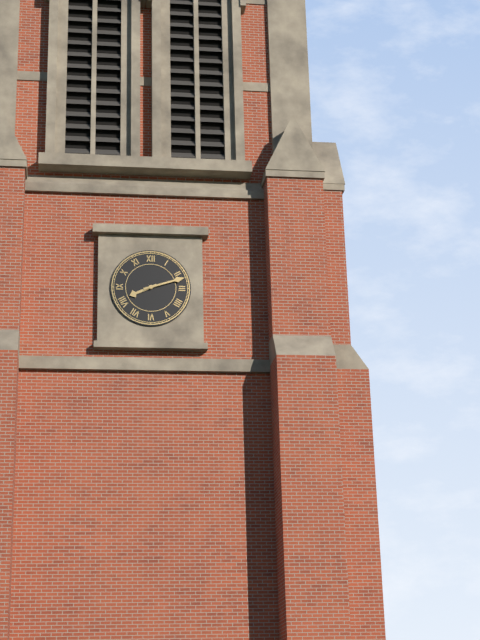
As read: 8h12
